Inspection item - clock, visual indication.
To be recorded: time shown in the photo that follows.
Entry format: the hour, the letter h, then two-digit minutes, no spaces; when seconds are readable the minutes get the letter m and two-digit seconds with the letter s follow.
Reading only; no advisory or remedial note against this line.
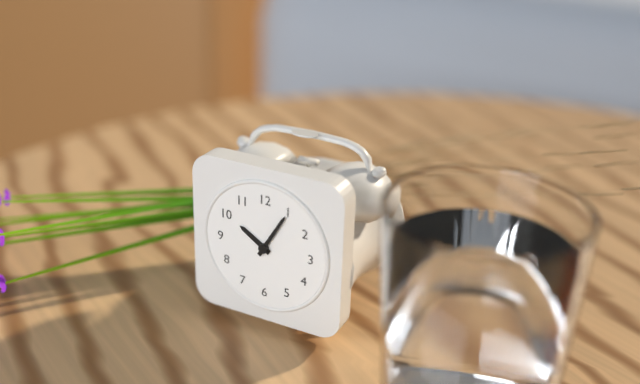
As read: 10h05
